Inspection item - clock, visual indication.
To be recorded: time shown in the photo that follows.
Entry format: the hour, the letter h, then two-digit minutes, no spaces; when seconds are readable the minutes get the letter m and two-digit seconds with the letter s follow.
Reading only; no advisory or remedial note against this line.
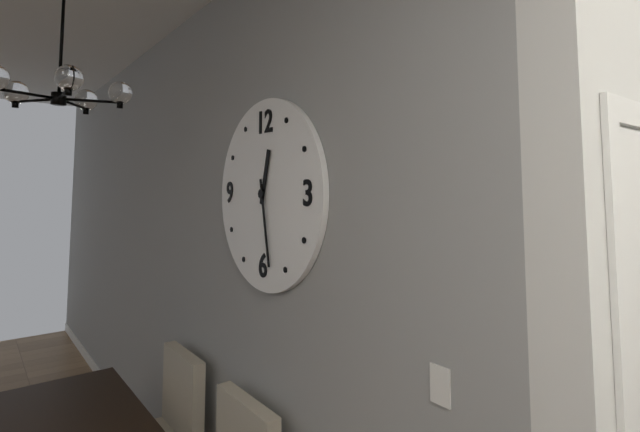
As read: 12h28
